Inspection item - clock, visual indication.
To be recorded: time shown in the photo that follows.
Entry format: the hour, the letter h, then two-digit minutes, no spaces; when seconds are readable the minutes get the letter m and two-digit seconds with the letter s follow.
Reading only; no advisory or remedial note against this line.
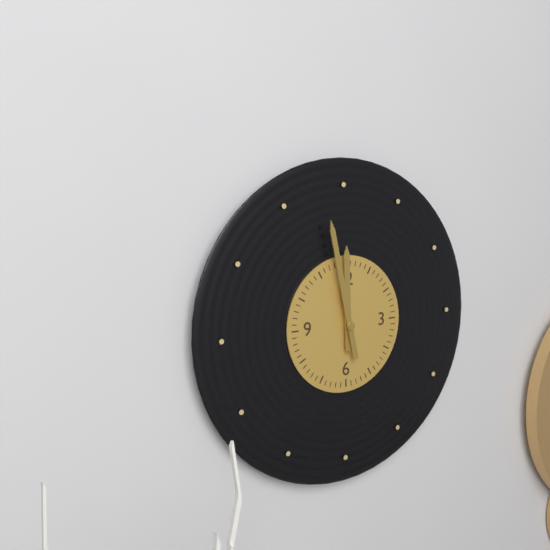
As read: 11h58
